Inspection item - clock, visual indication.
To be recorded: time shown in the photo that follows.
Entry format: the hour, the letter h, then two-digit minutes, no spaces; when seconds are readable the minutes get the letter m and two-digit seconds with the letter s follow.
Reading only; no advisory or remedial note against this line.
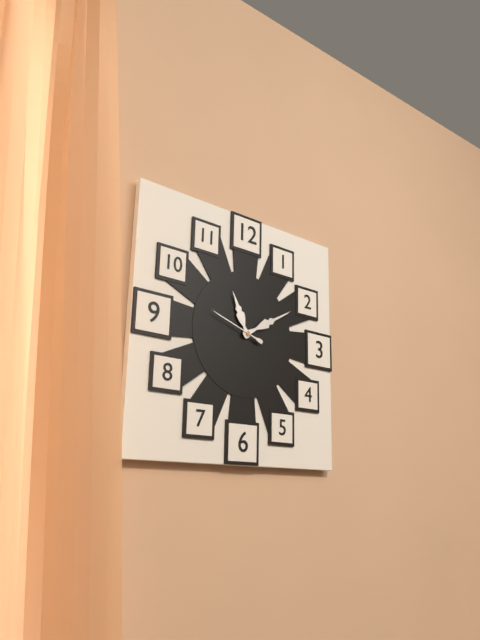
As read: 11h10m48s
